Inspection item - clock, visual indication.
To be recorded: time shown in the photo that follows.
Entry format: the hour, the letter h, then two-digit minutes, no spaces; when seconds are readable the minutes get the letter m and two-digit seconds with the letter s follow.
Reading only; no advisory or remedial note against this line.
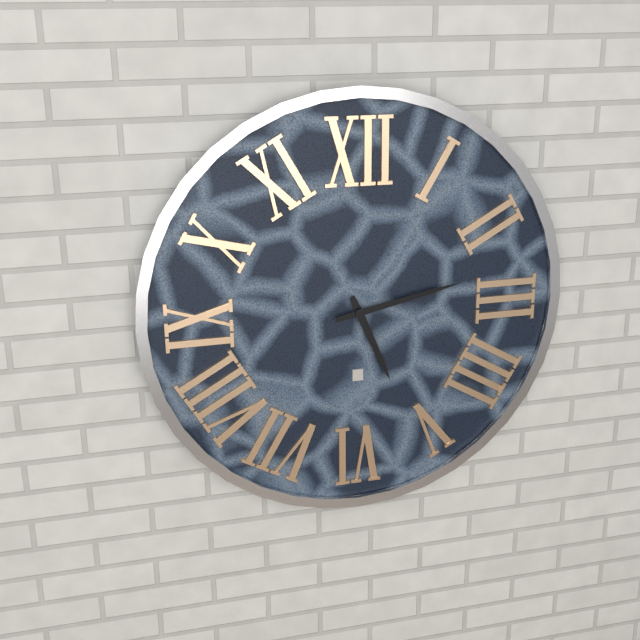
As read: 5h13
